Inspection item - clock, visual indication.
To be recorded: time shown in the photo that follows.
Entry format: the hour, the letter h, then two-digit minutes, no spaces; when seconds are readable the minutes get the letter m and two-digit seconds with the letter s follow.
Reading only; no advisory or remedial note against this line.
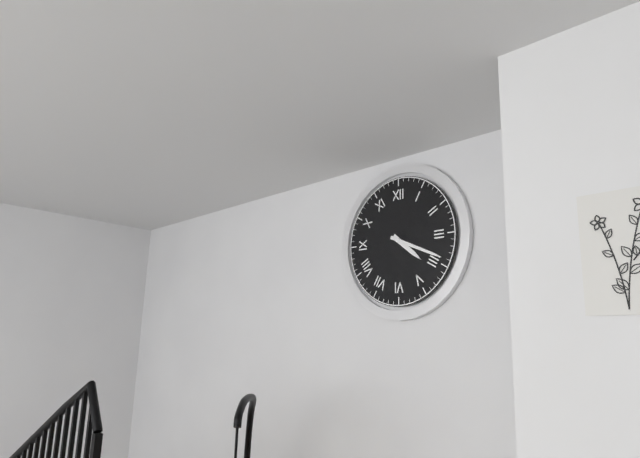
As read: 4h19
